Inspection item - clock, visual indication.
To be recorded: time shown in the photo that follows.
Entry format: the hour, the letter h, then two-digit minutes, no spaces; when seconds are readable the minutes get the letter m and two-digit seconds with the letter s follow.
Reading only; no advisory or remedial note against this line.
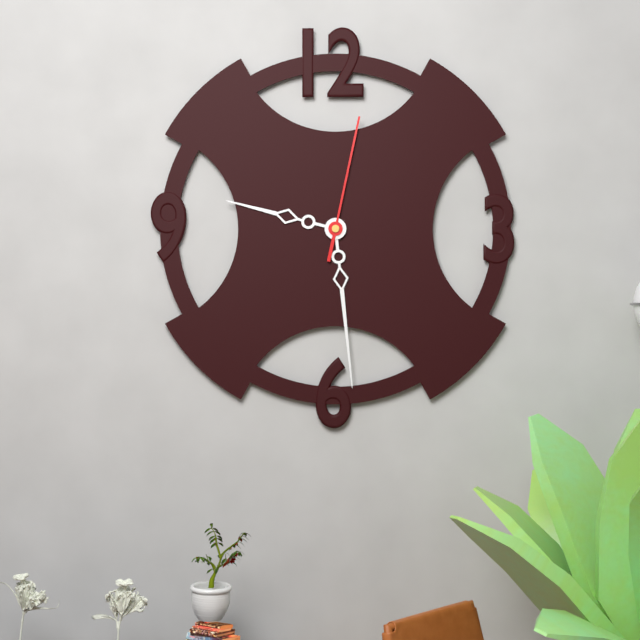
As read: 9h29m02s
